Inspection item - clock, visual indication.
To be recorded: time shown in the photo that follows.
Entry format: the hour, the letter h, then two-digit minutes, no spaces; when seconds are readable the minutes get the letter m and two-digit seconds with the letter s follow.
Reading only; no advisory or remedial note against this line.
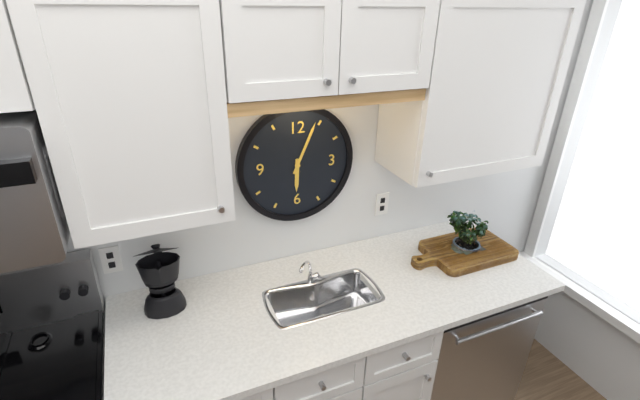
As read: 6h04
